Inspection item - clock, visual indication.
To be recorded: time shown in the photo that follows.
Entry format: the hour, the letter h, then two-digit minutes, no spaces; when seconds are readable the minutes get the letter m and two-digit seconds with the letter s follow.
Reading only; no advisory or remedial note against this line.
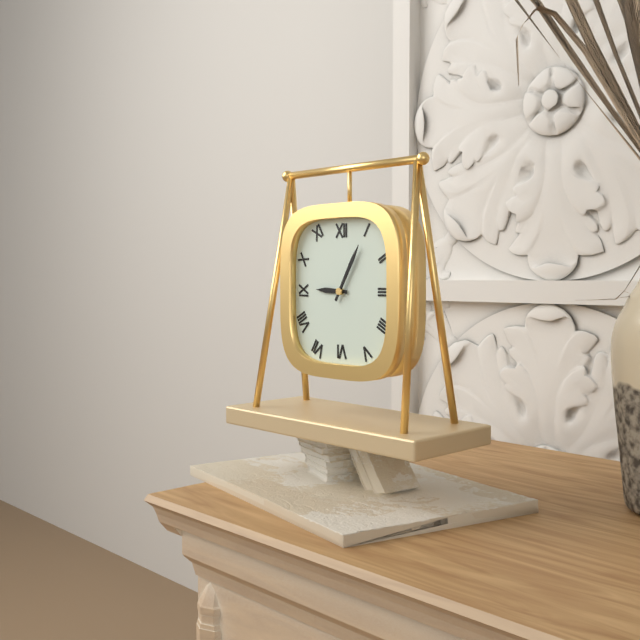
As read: 9h05
